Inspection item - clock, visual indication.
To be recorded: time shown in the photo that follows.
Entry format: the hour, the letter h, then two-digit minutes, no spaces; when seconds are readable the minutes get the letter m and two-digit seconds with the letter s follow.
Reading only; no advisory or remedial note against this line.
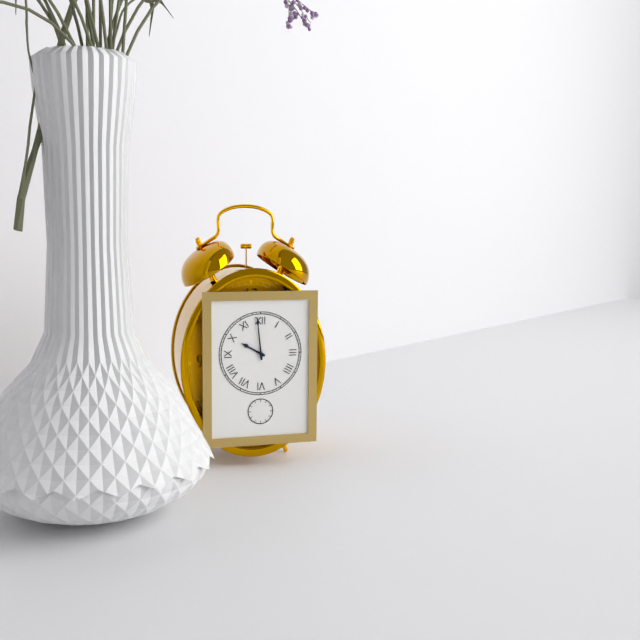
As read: 9h59
